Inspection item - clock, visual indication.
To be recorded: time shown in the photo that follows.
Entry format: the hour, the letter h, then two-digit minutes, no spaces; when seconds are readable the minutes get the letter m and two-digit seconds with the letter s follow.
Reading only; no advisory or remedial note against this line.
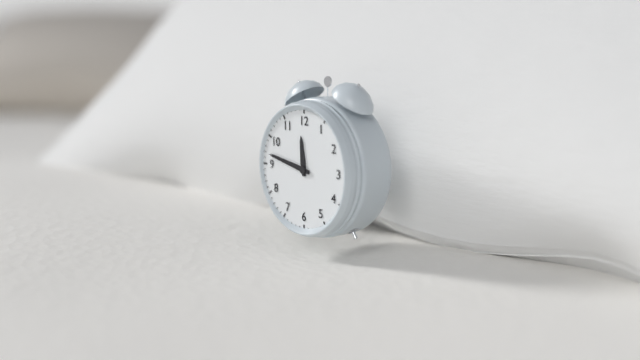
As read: 11h47
